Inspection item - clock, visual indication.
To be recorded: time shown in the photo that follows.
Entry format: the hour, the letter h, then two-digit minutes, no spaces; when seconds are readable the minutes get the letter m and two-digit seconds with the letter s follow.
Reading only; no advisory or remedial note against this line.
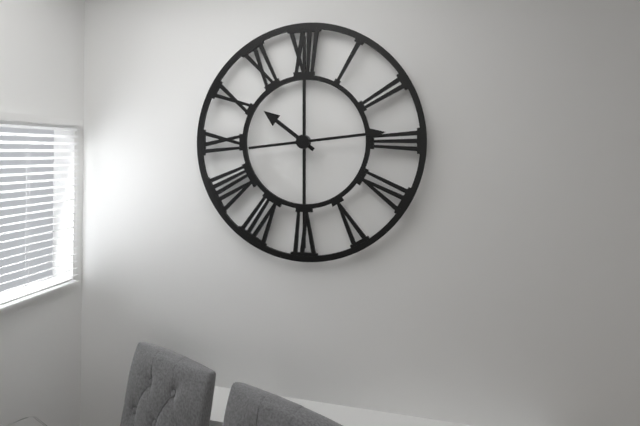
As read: 10h14
